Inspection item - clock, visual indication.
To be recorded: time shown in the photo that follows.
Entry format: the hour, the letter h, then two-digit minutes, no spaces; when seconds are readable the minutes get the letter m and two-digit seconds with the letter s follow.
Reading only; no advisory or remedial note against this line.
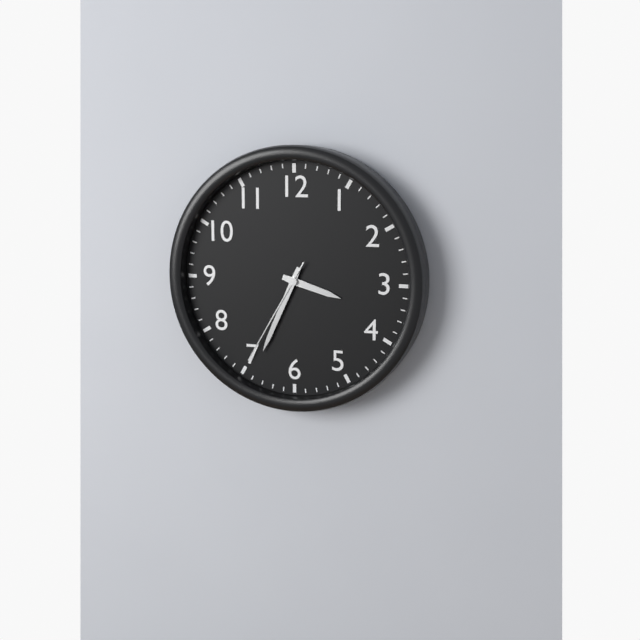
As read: 3h34m35s
